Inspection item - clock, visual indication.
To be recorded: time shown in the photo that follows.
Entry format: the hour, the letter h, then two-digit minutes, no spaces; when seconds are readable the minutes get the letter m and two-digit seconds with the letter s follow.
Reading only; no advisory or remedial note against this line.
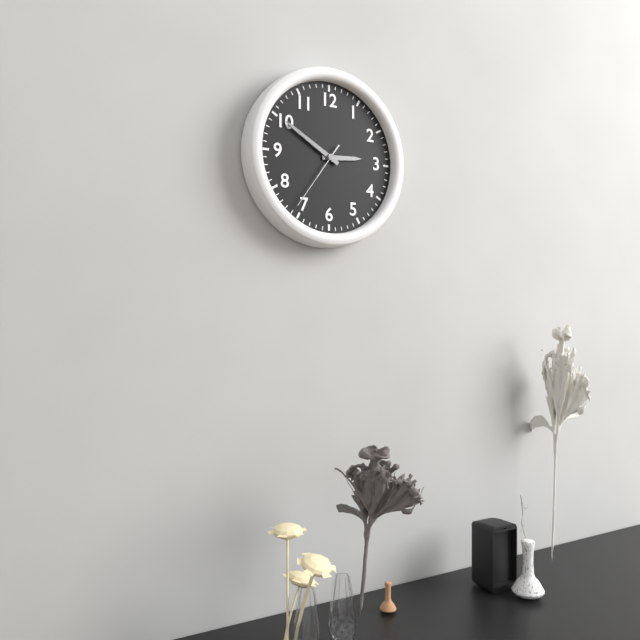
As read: 2h50m36s
